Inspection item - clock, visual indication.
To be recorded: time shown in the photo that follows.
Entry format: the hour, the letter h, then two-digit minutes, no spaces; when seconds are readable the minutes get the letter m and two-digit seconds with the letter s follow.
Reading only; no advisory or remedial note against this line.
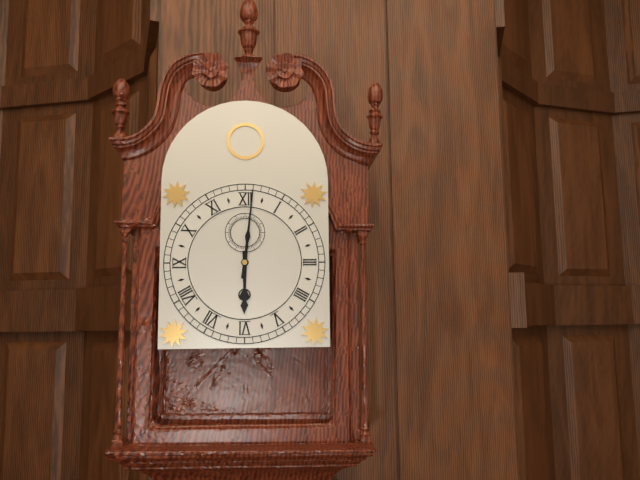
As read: 6h01
